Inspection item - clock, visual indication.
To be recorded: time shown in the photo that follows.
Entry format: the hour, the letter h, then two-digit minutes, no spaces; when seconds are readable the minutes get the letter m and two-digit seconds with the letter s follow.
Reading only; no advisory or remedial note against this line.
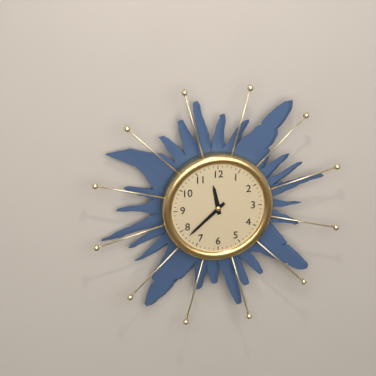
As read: 11h38
